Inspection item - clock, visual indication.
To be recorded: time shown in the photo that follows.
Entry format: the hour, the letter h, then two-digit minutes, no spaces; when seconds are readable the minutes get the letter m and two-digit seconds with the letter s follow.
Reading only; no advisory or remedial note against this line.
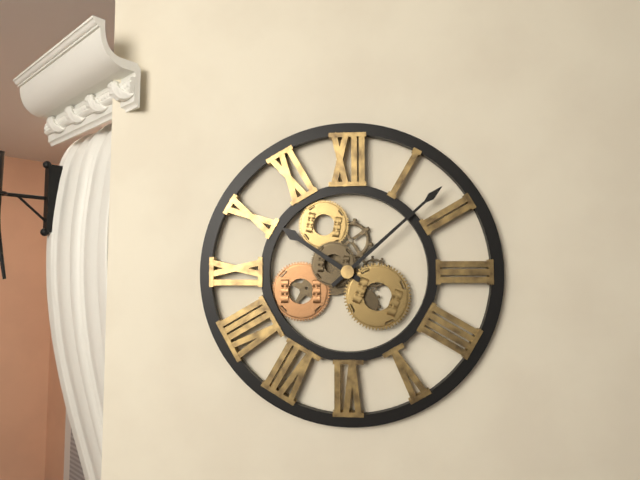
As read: 10h08
